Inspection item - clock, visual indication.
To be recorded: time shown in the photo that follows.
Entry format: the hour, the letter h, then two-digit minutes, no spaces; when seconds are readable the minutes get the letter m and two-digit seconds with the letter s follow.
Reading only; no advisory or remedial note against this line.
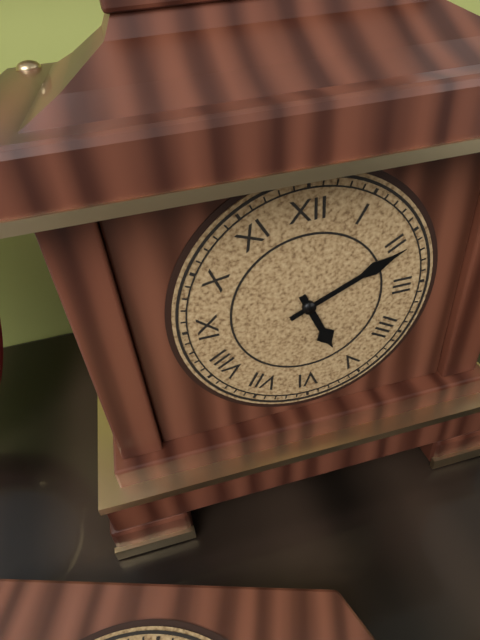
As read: 5h11
